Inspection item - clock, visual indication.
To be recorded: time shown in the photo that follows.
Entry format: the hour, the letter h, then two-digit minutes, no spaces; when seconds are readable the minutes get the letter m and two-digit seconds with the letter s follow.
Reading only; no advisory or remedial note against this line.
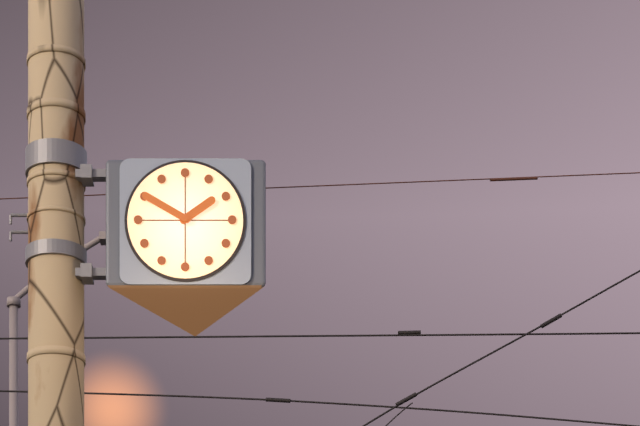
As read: 1h50
